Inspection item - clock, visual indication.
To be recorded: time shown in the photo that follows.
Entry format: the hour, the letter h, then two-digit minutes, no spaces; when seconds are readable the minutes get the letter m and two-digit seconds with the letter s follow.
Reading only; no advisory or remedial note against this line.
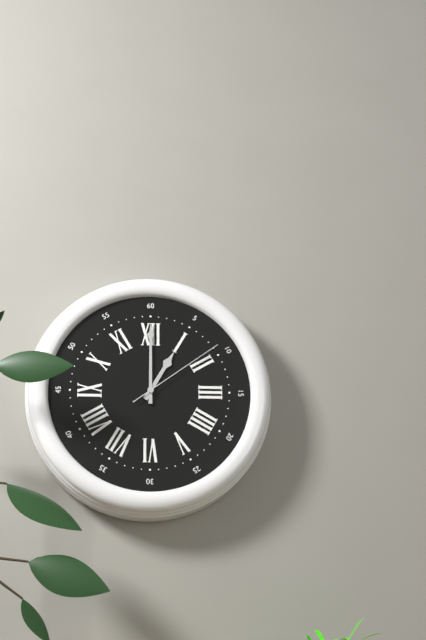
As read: 1h00m09s
